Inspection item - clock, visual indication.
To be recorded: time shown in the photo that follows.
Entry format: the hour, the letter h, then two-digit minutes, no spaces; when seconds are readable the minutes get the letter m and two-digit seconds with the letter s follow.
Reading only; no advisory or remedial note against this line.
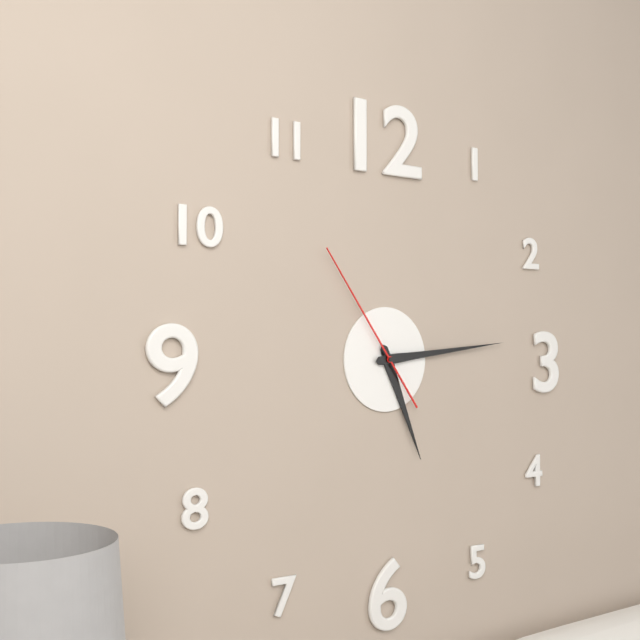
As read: 5h14m54s
